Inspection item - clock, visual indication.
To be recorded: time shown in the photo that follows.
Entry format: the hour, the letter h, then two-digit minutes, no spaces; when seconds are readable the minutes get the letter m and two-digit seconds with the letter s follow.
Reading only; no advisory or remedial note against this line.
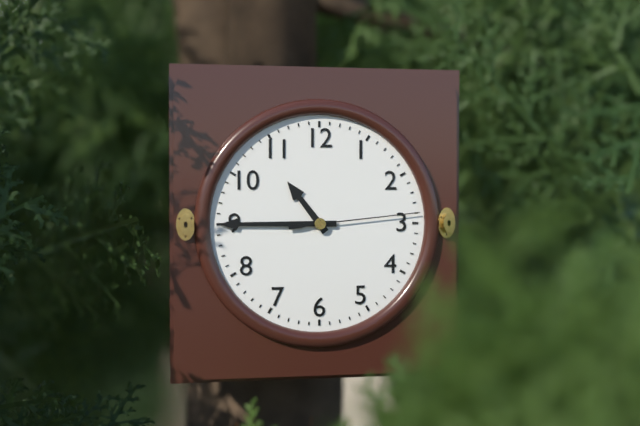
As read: 10h45m14s
